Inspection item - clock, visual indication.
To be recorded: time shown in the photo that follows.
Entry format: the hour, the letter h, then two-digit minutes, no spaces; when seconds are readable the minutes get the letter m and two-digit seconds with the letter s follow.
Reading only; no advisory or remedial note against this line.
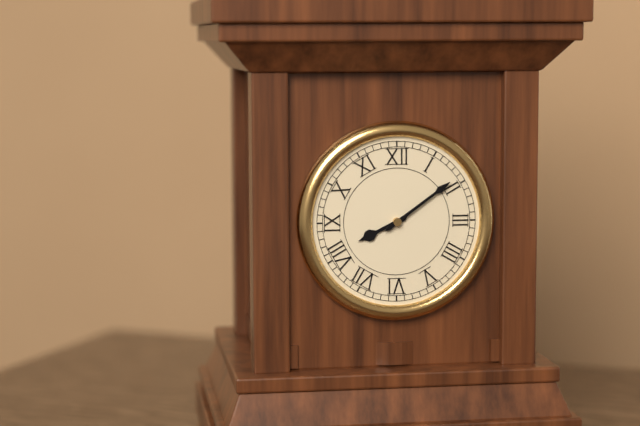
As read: 8h09
